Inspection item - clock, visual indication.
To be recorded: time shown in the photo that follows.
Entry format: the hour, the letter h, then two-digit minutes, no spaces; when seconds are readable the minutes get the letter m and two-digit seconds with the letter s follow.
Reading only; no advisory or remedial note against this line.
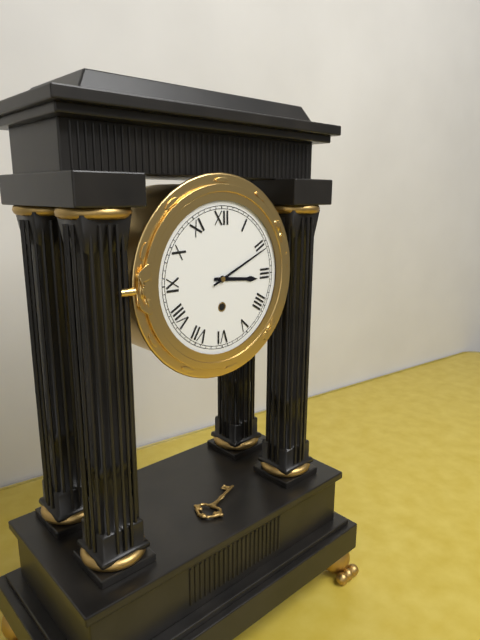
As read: 3h11
